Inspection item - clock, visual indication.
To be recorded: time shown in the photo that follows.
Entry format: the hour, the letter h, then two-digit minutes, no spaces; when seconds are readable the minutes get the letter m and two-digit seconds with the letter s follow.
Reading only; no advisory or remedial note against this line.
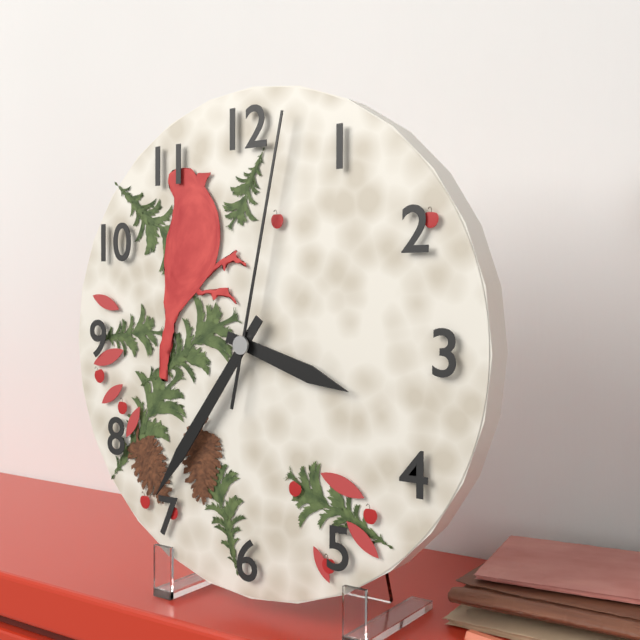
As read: 3h36m02s
